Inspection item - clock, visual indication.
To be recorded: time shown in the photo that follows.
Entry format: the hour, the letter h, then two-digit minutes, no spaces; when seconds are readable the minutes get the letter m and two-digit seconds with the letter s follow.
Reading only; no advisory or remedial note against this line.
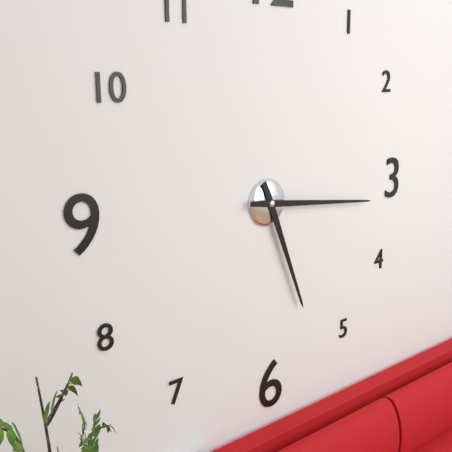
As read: 5h16
